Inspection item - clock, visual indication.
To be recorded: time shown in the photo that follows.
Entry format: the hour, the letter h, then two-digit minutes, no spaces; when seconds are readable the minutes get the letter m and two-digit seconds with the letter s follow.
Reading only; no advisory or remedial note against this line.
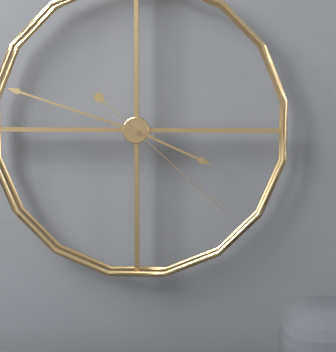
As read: 3h48m22s
